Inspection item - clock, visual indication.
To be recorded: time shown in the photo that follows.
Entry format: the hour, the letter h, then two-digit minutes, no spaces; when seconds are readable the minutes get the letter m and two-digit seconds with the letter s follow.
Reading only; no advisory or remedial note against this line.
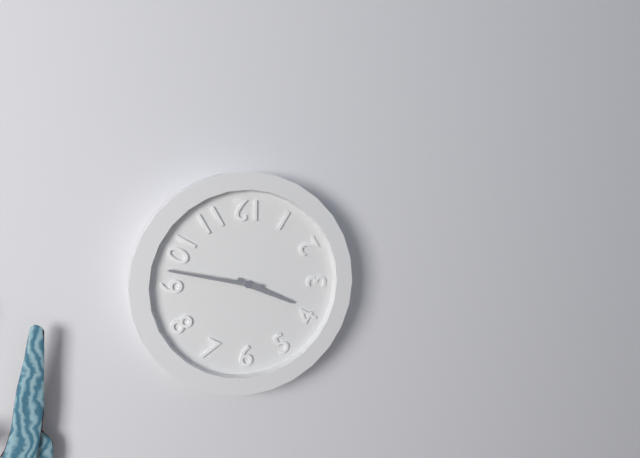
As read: 3h47
